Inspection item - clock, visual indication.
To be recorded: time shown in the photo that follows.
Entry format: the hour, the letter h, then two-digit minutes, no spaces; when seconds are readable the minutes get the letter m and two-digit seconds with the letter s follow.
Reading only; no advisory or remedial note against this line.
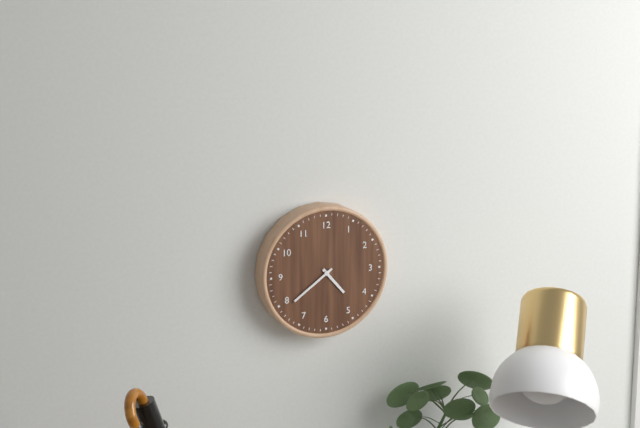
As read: 4h39
